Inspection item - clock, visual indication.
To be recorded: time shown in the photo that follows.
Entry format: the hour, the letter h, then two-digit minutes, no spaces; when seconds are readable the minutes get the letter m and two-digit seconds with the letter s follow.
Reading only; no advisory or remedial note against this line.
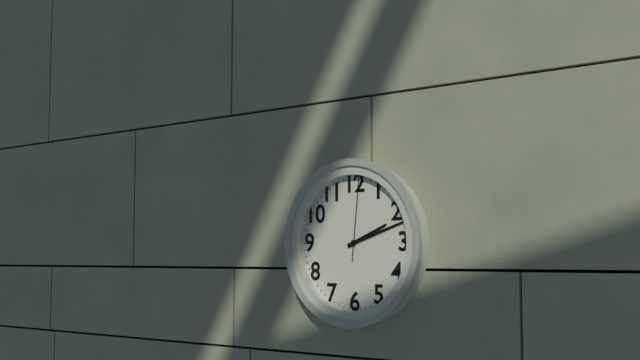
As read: 2h12m01s
